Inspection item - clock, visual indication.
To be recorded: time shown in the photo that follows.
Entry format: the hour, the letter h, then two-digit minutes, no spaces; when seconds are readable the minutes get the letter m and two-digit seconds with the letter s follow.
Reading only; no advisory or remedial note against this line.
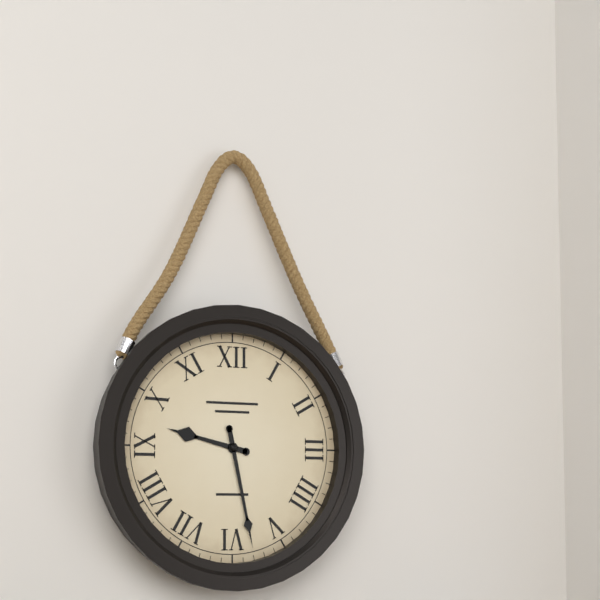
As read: 9h28
